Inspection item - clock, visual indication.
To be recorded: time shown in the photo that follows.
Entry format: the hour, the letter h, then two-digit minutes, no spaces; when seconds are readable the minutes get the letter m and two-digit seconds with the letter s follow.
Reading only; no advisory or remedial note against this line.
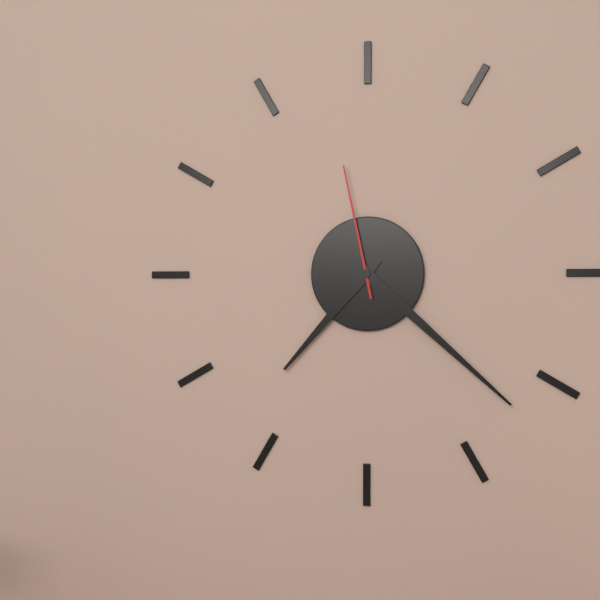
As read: 7h22m58s
